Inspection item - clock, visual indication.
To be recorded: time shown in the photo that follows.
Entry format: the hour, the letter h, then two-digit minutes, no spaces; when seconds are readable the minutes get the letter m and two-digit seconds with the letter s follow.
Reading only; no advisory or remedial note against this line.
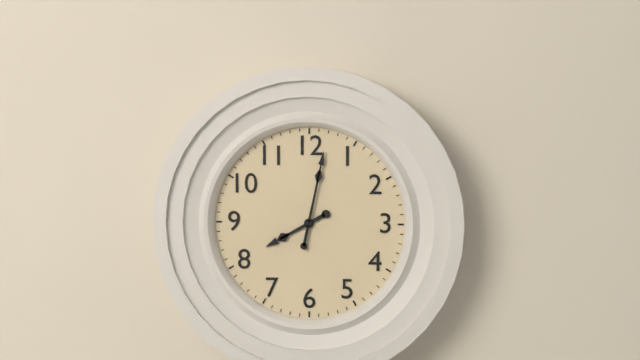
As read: 8h02
